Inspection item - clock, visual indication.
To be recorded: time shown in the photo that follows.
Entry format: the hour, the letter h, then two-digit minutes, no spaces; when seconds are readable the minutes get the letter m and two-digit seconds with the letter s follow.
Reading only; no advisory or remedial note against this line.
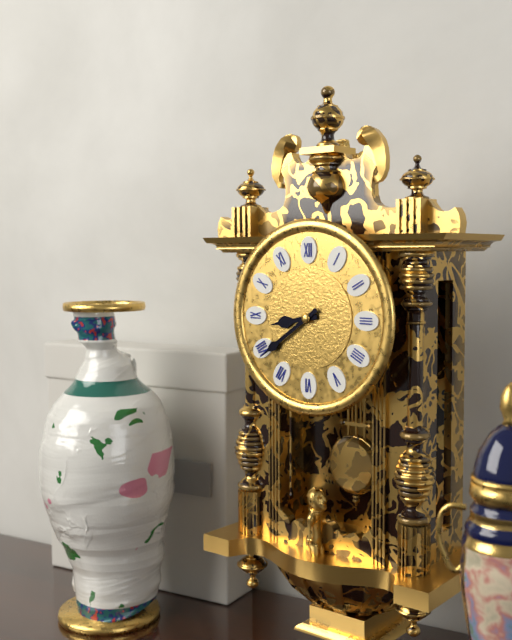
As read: 8h39
